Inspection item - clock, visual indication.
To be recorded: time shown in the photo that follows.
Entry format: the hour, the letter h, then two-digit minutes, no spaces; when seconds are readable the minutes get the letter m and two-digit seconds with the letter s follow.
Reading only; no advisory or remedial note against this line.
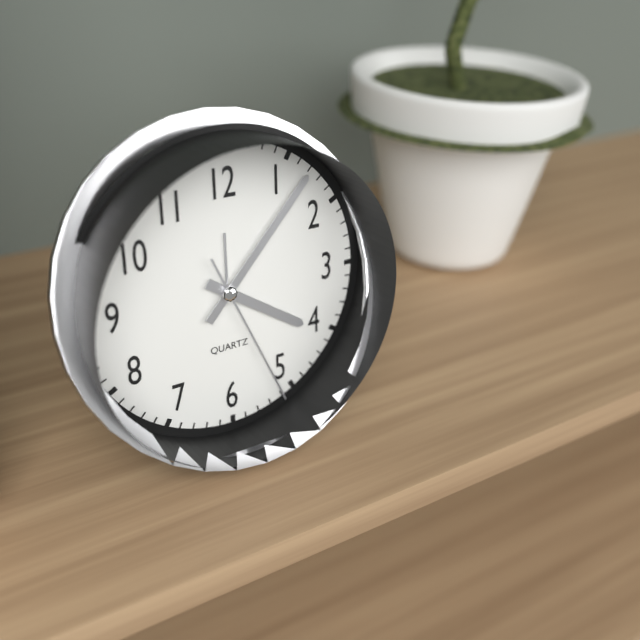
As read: 4h07m26s
